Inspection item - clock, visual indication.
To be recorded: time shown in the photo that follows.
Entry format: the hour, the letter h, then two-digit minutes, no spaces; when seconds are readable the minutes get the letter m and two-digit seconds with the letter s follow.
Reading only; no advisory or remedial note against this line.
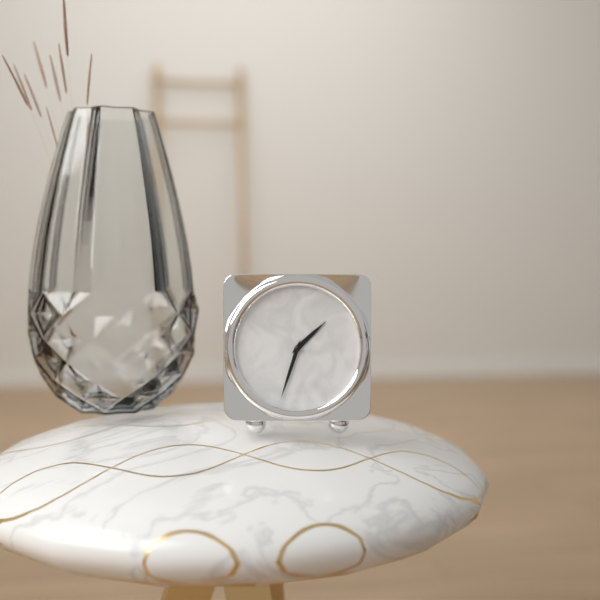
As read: 1h33
